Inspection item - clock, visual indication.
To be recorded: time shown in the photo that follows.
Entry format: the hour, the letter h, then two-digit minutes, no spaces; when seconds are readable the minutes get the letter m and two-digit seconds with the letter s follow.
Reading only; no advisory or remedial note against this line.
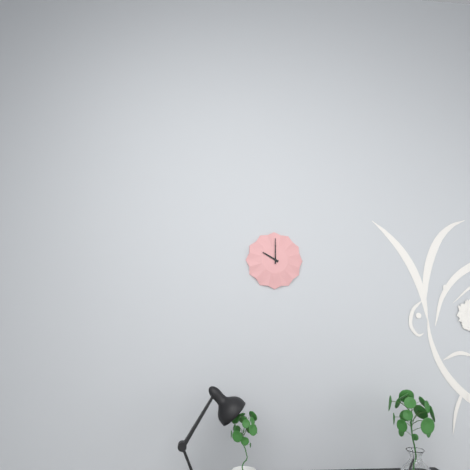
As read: 10h00
